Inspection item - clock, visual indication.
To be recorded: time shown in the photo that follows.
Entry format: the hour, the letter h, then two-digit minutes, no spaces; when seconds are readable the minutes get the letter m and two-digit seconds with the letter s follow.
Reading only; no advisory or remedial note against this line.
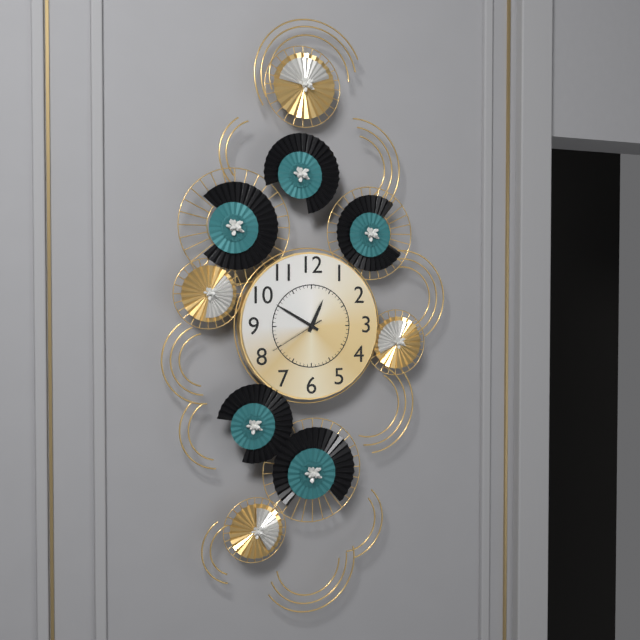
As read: 12h50m40s
